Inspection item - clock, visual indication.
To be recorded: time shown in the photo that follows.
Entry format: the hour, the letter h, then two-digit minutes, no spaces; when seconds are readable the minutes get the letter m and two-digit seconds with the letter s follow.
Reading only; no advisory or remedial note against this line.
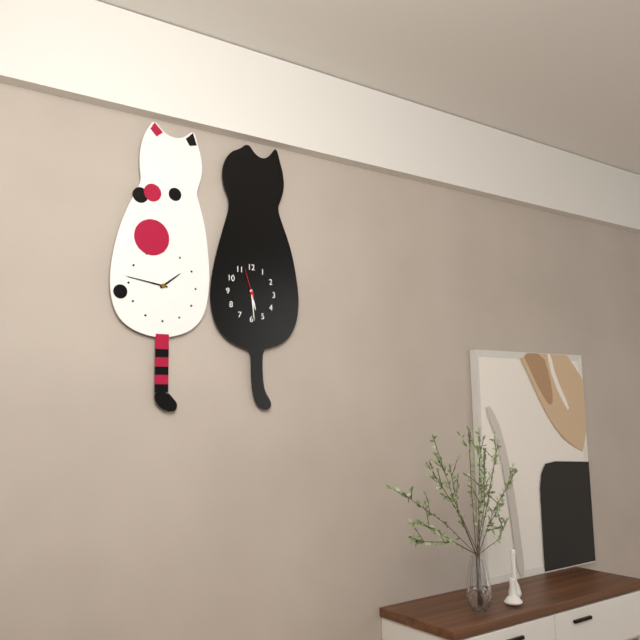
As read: 5h29
